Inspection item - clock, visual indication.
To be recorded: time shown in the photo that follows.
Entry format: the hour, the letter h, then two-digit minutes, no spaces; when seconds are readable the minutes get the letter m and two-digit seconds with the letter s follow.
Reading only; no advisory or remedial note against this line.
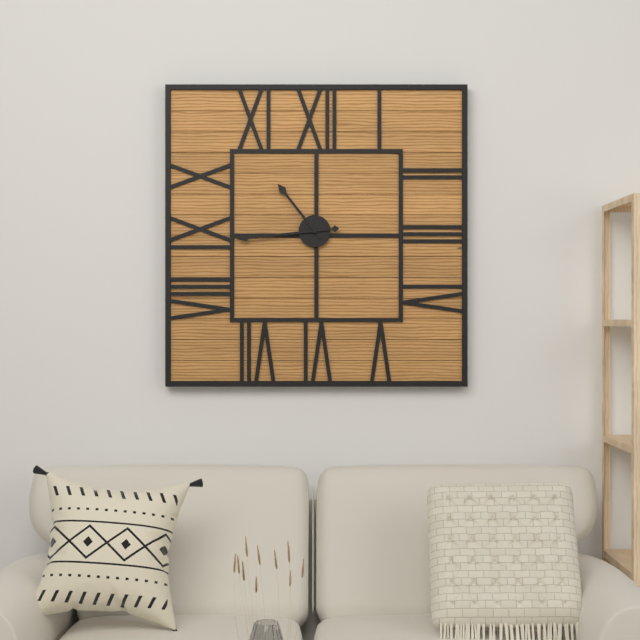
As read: 10h44
